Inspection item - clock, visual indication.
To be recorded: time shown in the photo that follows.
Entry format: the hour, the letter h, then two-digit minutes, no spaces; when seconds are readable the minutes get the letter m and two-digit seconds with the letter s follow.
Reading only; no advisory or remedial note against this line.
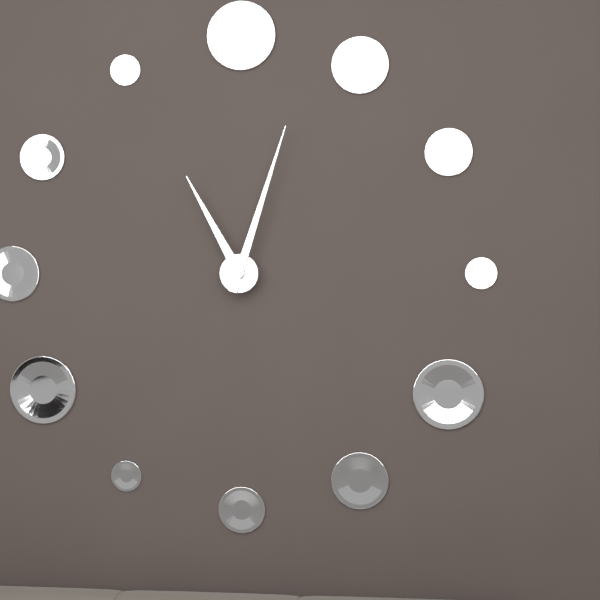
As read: 11h03
